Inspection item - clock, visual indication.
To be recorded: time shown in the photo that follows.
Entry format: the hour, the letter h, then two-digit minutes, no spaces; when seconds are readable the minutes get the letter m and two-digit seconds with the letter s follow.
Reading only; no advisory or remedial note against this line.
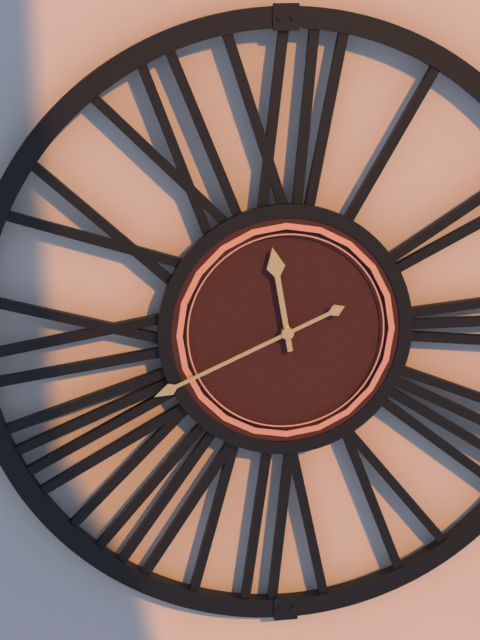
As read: 11h41
